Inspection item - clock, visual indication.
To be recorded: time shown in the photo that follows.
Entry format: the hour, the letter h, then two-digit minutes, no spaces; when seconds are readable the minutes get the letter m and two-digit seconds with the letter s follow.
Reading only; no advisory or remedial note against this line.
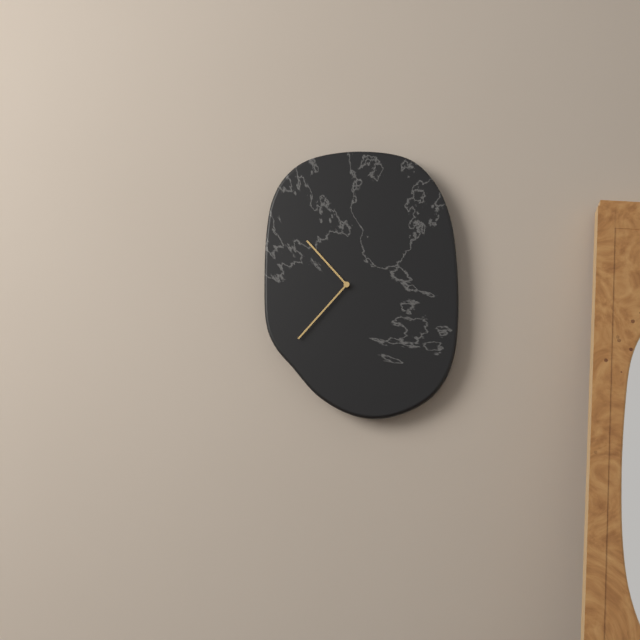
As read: 10h37
